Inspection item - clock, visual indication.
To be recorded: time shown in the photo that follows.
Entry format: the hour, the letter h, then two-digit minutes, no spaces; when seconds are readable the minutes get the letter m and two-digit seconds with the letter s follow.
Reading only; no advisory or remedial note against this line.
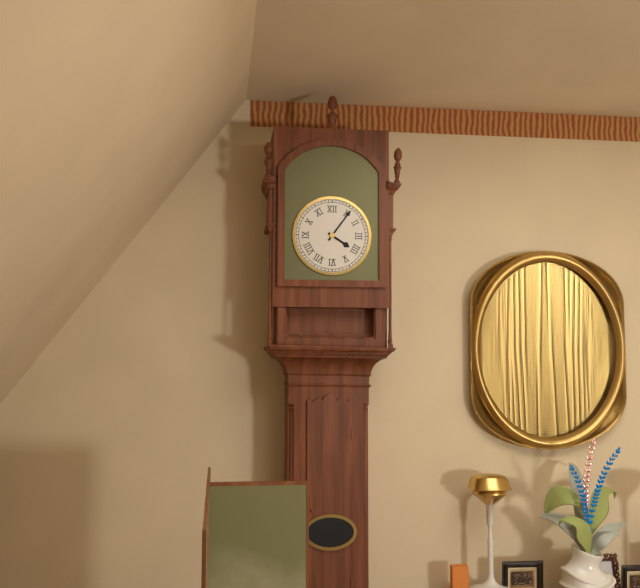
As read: 4h06
